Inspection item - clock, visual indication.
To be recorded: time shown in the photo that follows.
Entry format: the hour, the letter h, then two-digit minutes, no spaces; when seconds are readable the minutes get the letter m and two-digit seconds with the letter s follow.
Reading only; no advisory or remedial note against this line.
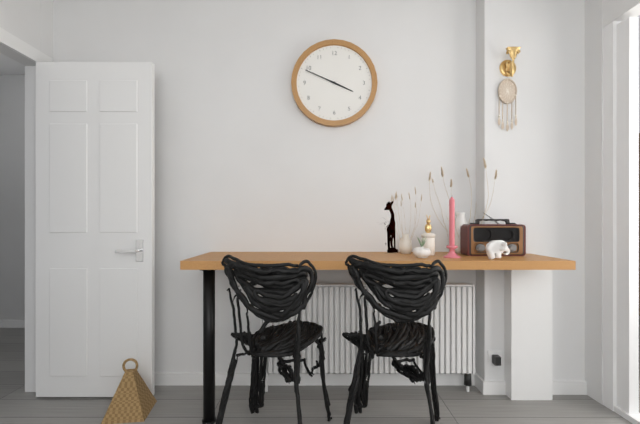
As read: 3h49
